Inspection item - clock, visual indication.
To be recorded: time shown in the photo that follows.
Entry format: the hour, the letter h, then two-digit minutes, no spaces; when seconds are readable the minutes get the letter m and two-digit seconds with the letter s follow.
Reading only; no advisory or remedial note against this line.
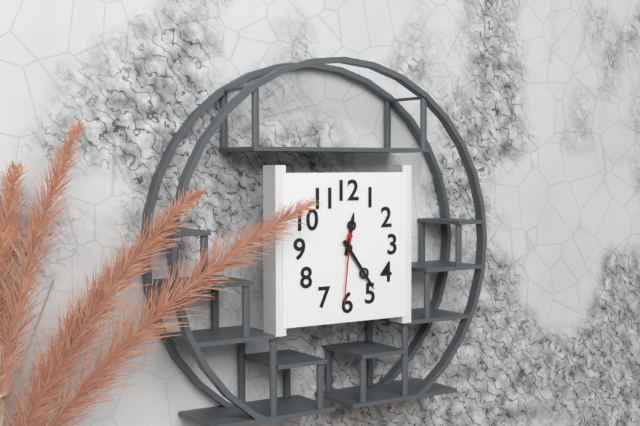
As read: 12h24m31s
